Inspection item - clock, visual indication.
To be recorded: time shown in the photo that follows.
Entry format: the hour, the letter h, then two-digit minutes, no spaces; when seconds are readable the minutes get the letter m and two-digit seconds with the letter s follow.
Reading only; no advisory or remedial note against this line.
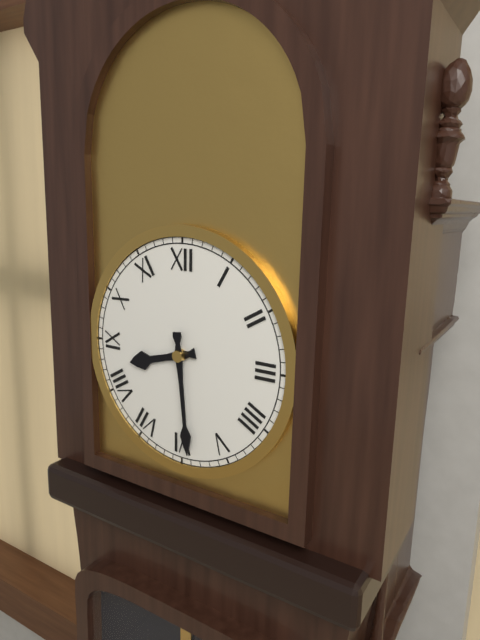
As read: 8h29
